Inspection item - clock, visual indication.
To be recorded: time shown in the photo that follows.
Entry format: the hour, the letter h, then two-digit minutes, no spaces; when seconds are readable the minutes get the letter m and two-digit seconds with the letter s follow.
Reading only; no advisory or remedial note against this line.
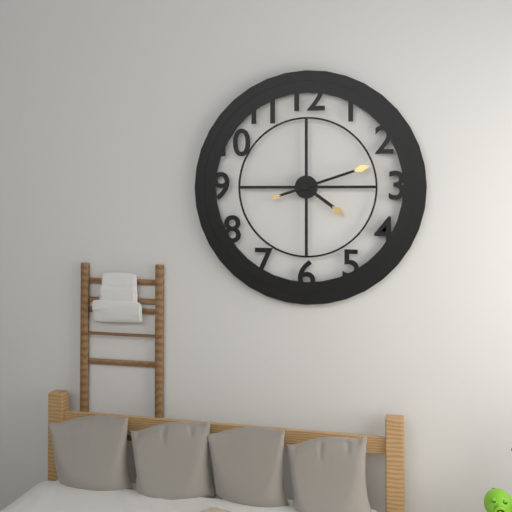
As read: 4h12
